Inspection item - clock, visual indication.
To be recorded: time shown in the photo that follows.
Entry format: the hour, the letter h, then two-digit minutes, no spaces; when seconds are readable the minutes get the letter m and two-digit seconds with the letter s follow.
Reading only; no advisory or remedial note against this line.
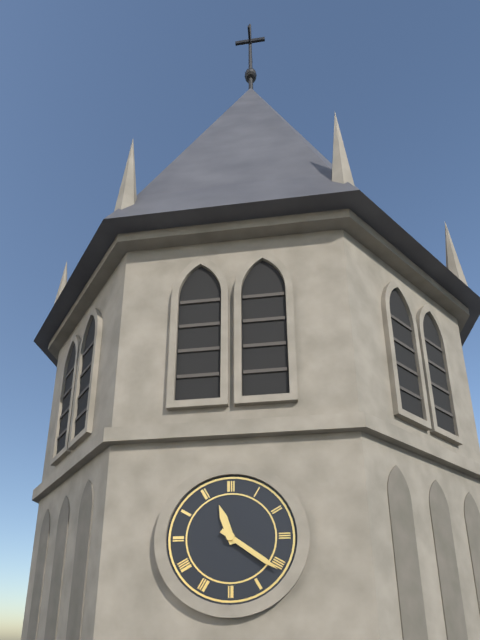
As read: 11h21
